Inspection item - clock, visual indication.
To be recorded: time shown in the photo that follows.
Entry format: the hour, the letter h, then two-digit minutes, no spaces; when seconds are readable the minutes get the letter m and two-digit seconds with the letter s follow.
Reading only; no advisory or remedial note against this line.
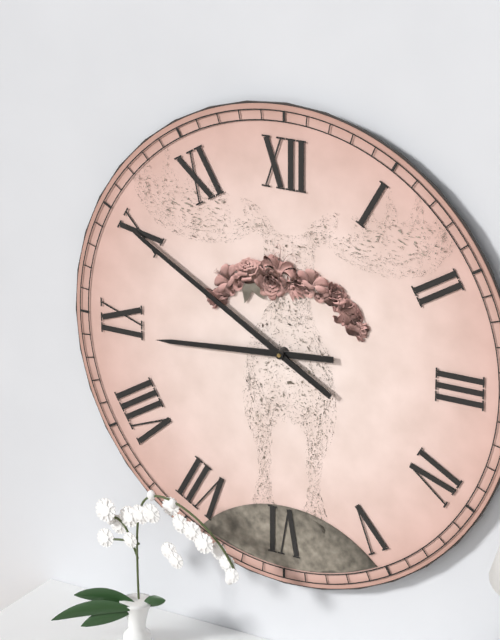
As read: 8h50
